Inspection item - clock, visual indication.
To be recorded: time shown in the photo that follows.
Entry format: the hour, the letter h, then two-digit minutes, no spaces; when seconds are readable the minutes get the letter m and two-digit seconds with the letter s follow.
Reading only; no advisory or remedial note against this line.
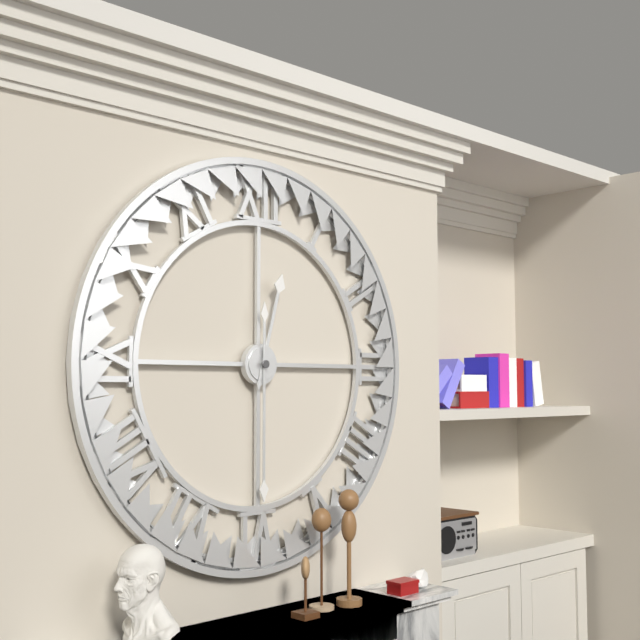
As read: 12h30
